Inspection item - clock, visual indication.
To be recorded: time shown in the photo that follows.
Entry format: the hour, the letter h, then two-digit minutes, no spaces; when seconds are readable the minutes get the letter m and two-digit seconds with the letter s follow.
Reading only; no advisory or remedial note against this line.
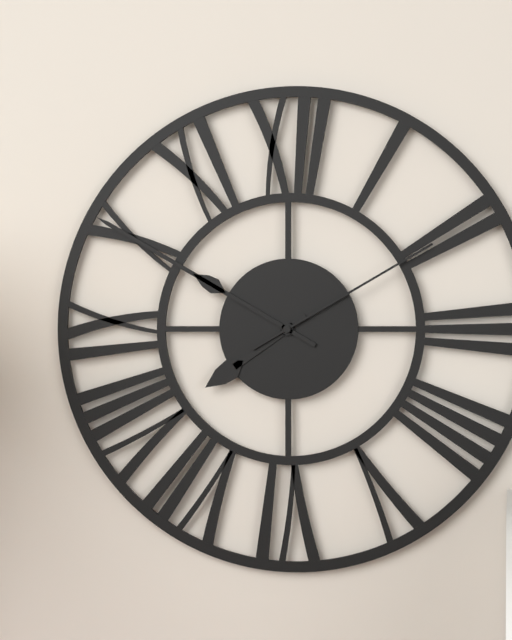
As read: 7h50m10s
